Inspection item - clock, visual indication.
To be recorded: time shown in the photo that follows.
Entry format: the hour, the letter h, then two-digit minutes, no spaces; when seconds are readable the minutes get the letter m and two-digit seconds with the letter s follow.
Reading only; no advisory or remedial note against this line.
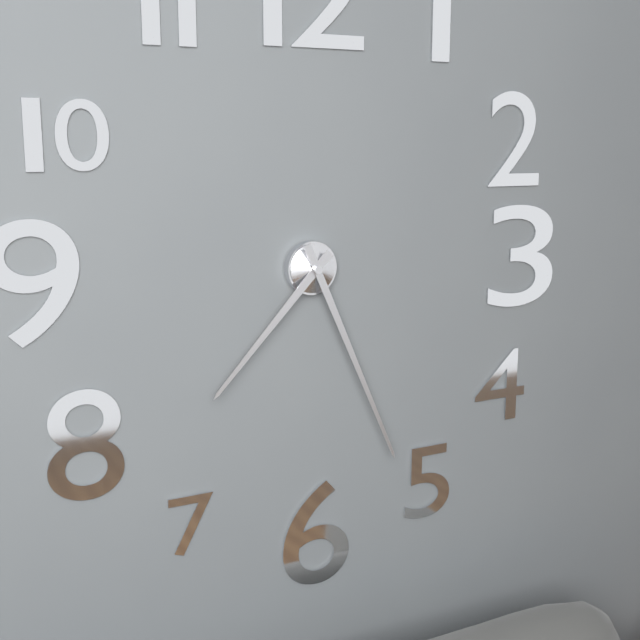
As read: 7h26
